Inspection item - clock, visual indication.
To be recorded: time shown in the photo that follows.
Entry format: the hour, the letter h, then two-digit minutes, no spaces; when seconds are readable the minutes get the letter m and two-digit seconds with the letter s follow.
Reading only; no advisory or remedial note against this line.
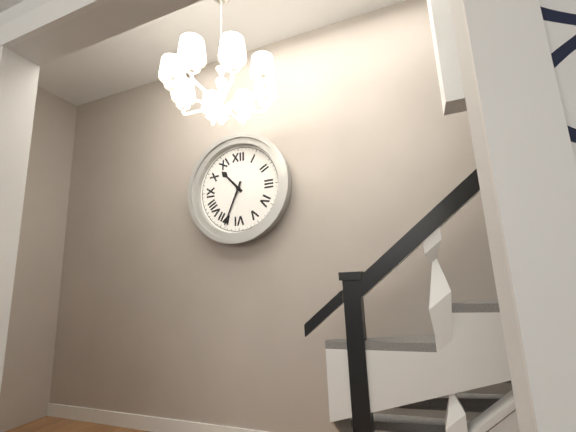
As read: 10h34
